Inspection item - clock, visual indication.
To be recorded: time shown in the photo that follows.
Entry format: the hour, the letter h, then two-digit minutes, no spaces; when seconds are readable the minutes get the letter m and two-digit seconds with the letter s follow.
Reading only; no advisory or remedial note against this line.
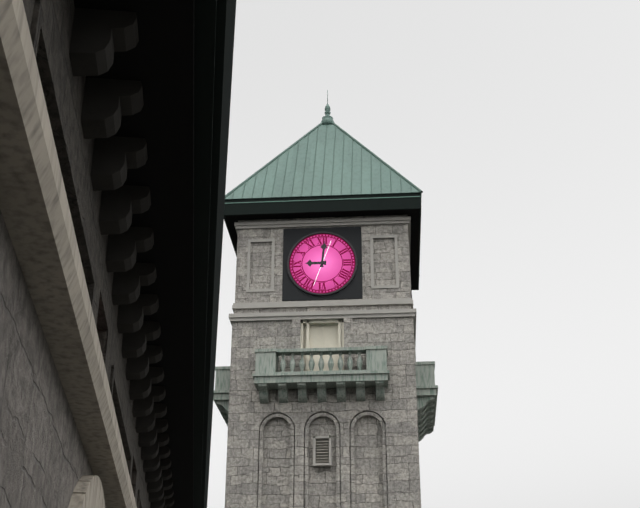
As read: 9h01
